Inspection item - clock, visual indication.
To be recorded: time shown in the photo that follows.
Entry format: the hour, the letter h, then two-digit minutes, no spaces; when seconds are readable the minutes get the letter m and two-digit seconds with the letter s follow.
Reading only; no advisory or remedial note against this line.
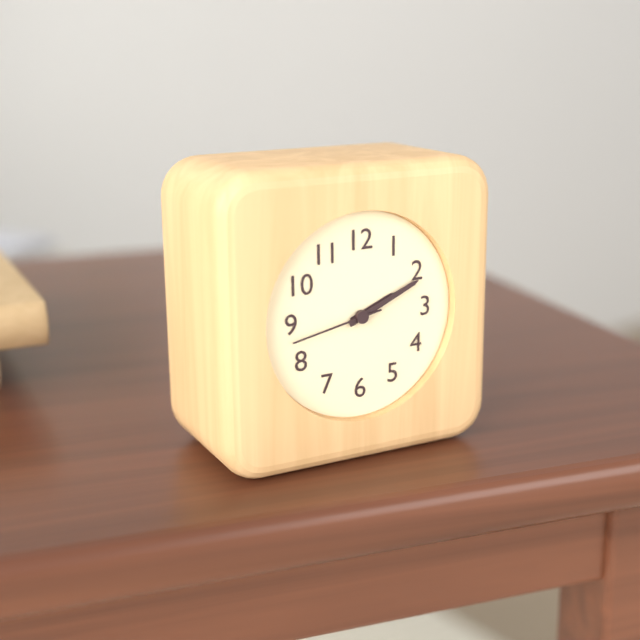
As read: 2h11m43s
